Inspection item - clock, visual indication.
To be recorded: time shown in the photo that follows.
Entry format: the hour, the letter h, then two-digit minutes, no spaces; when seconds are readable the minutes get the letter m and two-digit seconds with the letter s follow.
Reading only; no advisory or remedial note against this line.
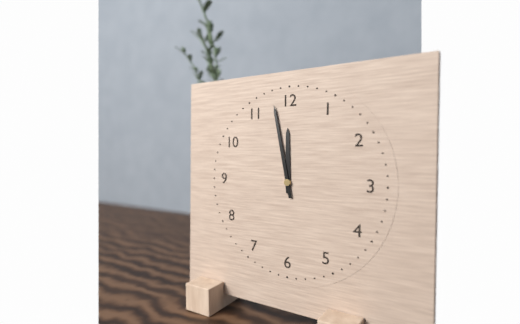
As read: 11h58
